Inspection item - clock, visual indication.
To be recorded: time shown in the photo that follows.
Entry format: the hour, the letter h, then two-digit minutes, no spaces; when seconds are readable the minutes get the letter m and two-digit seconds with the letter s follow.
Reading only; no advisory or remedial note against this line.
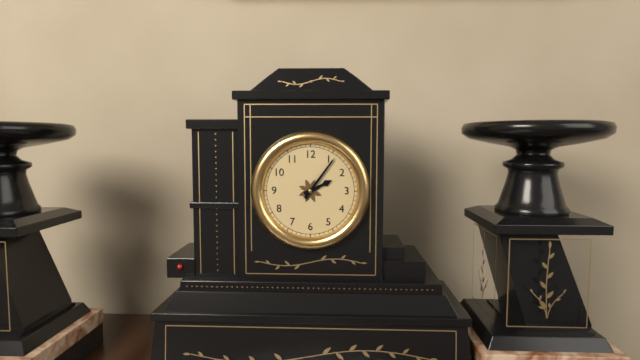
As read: 2h06
